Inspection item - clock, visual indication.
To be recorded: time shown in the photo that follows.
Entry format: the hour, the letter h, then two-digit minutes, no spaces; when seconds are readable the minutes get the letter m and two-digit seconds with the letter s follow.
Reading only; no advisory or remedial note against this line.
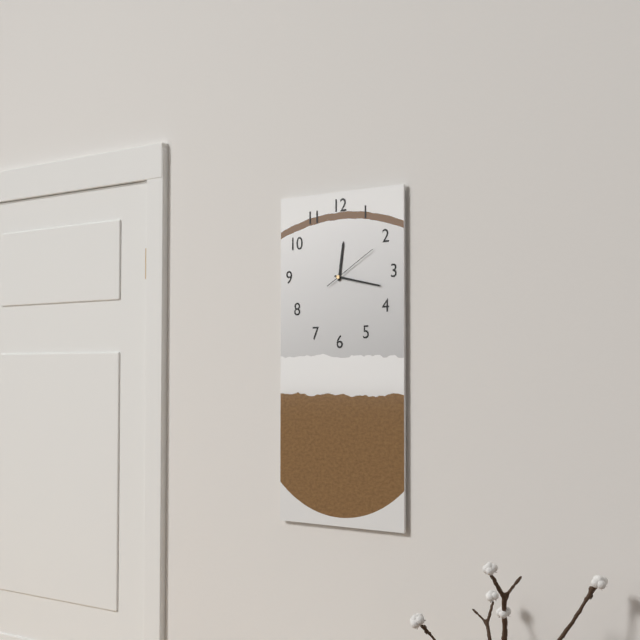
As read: 12h17m10s
